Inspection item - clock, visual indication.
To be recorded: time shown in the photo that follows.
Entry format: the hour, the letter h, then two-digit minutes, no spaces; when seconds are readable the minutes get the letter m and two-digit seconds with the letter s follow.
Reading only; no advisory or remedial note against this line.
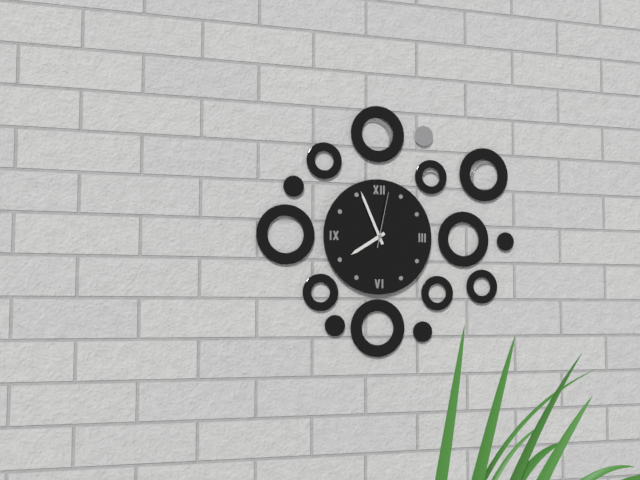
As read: 7h56m02s
